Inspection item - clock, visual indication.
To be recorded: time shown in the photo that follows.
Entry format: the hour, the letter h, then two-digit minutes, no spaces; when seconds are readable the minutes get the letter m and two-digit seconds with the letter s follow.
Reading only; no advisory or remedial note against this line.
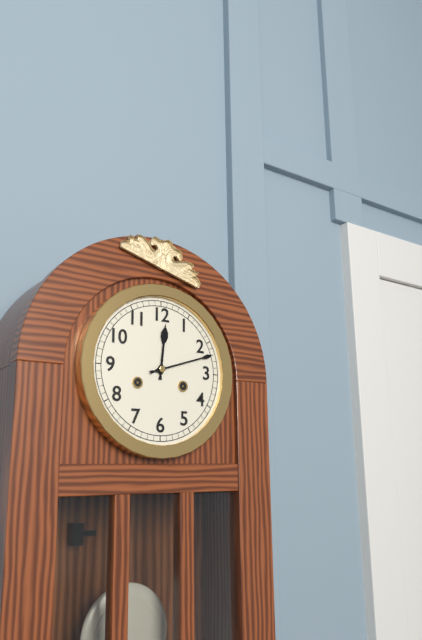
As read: 12h12
